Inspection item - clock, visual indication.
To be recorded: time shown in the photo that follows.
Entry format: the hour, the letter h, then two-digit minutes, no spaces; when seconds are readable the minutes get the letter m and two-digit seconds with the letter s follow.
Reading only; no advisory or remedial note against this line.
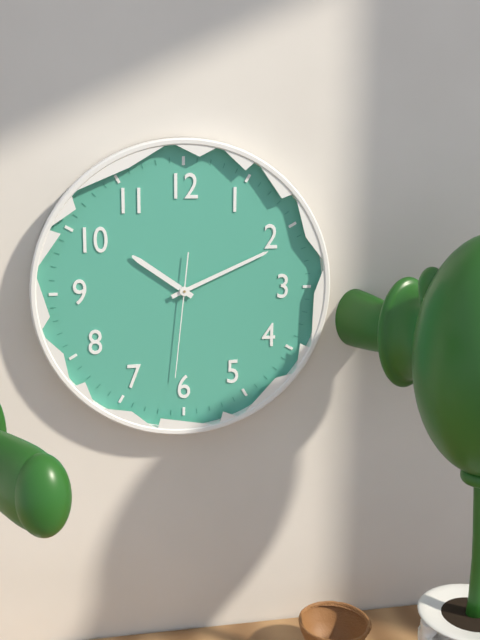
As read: 10h11m31s
